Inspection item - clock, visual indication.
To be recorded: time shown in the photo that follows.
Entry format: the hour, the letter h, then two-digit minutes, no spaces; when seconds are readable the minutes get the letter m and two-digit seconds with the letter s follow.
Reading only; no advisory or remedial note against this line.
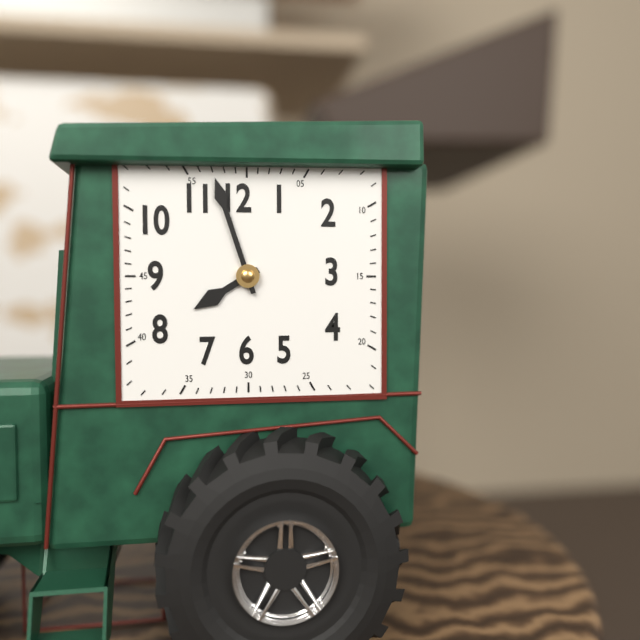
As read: 7h57
